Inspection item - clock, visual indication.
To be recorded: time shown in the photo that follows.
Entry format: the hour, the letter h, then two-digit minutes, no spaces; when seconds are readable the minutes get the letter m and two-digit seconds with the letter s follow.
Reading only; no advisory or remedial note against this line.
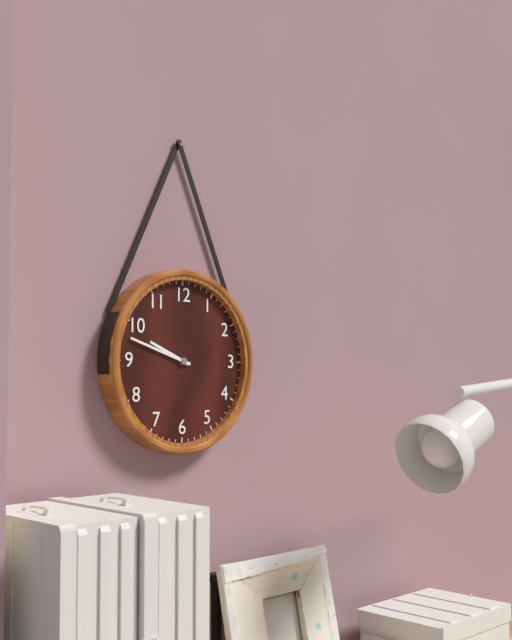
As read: 9h48
